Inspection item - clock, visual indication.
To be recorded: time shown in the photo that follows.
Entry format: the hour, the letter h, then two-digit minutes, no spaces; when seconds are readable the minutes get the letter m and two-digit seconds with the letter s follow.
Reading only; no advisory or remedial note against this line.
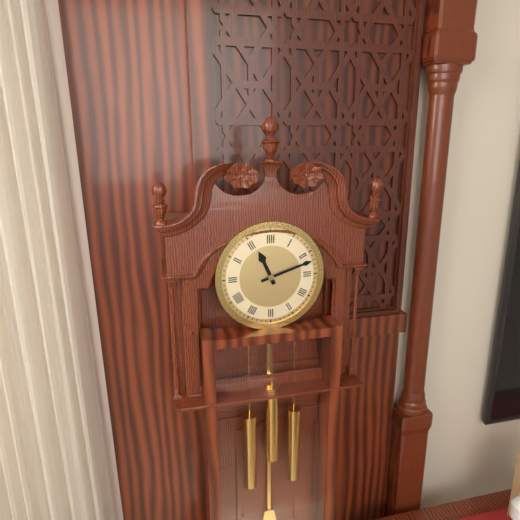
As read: 11h12
